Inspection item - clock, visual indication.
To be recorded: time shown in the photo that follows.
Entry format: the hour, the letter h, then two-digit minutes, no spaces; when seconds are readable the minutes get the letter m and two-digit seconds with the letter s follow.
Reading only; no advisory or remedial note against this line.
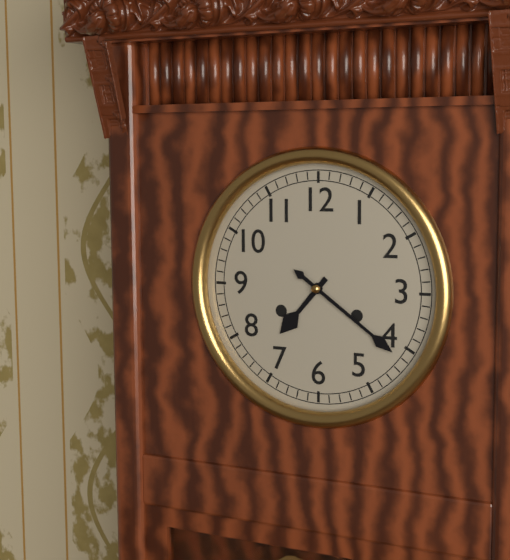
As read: 7h21
